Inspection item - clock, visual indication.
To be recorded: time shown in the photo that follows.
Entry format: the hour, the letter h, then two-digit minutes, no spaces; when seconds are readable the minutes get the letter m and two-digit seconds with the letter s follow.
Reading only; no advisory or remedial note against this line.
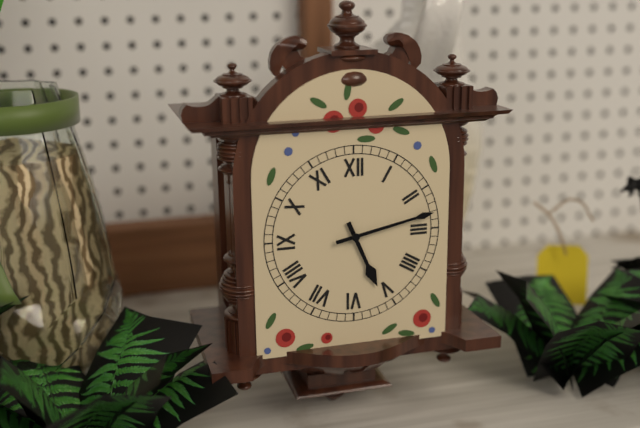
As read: 5h13
